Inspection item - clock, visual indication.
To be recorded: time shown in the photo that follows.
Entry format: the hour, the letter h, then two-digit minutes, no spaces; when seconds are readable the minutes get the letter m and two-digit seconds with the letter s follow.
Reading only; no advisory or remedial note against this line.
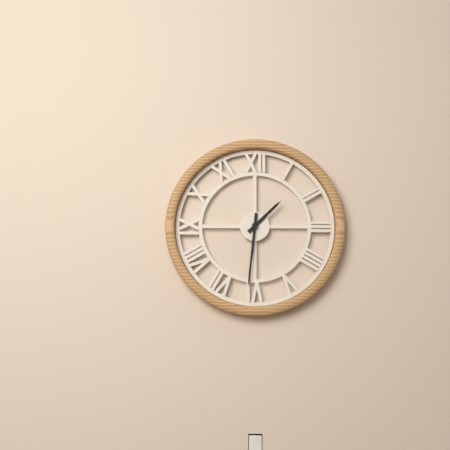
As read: 1h31
